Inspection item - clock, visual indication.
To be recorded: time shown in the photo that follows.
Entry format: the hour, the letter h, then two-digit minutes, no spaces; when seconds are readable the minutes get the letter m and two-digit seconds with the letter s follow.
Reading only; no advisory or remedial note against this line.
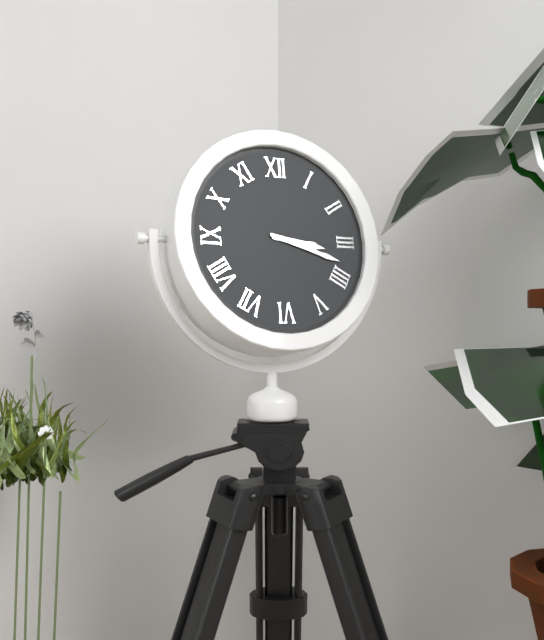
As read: 3h18
